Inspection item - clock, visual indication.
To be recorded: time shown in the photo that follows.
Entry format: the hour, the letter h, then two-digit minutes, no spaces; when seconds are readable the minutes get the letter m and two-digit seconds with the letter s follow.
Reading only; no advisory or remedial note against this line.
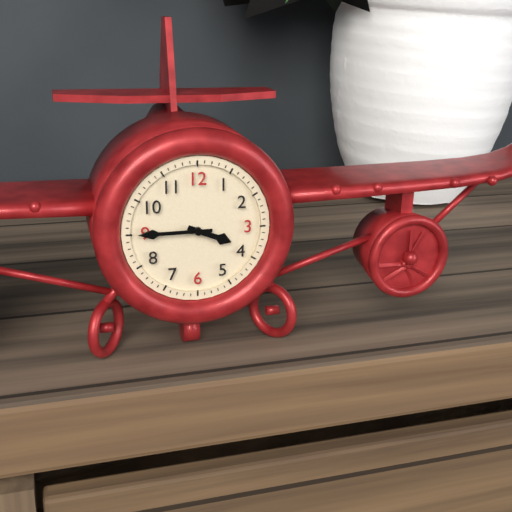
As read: 3h45
